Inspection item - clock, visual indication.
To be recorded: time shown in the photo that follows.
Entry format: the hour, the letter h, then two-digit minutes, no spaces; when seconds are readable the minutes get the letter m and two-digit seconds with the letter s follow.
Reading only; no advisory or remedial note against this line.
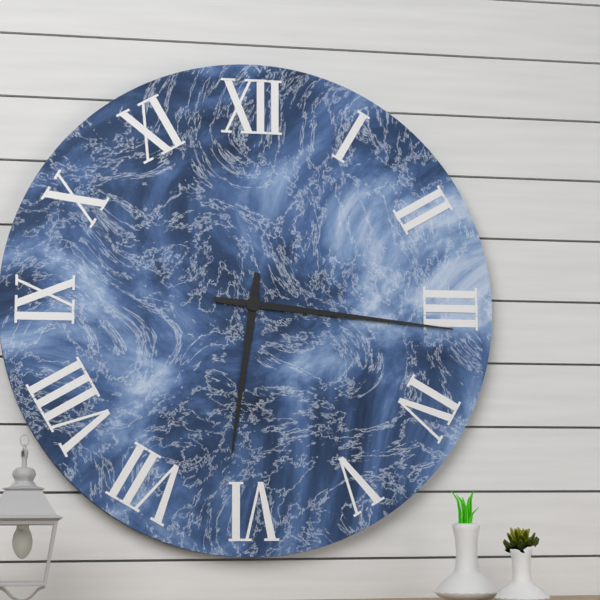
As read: 6h16
